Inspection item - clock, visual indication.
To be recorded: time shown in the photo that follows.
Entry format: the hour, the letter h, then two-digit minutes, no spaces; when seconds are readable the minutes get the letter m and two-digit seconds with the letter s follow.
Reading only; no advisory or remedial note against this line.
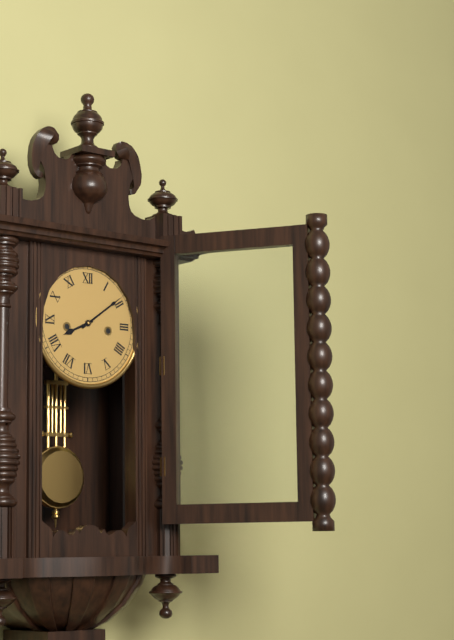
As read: 8h09
